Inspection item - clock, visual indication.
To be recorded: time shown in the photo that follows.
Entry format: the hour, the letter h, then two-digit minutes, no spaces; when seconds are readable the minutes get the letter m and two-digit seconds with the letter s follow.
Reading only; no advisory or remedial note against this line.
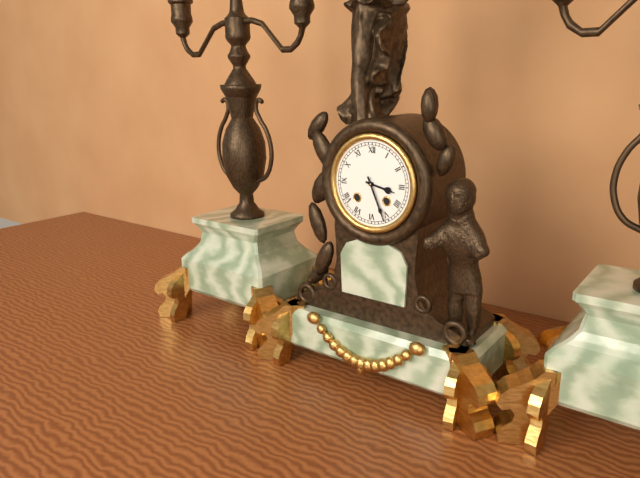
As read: 3h26
